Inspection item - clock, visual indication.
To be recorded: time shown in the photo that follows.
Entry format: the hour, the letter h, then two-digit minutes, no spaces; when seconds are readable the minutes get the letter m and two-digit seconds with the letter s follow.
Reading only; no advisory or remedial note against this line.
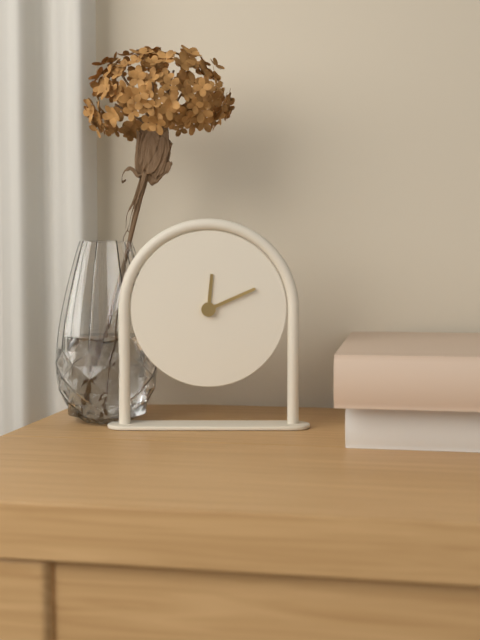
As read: 12h11
